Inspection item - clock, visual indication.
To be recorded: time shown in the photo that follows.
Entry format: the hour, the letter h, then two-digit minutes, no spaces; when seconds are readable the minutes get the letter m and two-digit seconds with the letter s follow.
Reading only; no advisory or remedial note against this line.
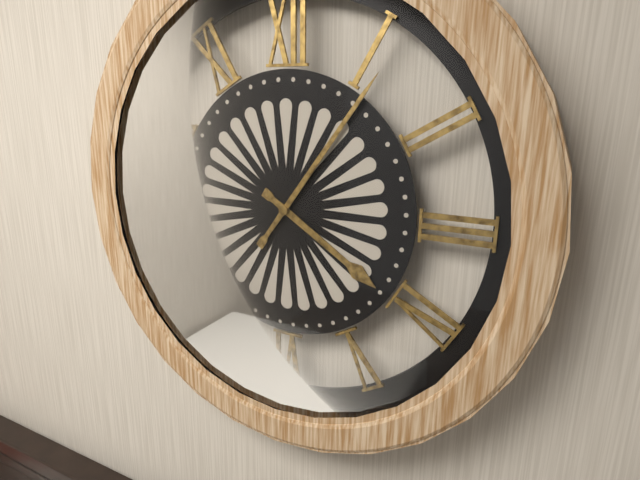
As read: 4h06
